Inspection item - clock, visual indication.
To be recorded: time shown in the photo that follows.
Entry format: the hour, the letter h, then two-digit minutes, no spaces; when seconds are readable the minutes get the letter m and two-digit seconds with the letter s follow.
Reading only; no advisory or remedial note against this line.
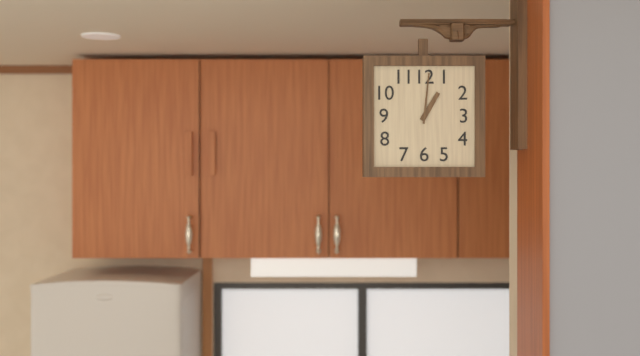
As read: 1h01
